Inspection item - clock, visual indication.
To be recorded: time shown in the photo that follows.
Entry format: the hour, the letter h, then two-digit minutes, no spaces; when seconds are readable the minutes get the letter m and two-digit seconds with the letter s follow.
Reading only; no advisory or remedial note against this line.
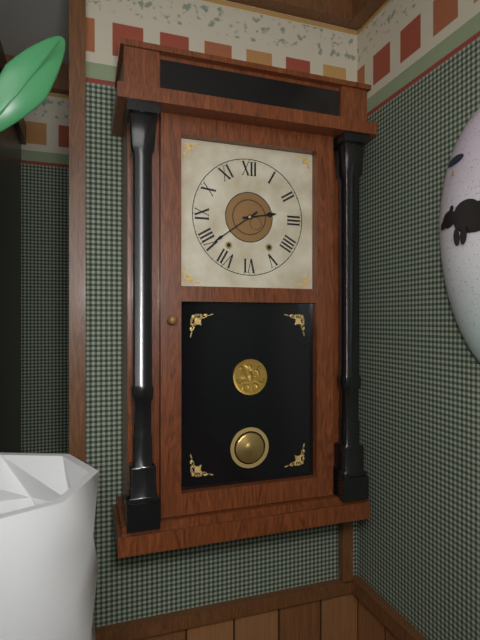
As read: 2h39
